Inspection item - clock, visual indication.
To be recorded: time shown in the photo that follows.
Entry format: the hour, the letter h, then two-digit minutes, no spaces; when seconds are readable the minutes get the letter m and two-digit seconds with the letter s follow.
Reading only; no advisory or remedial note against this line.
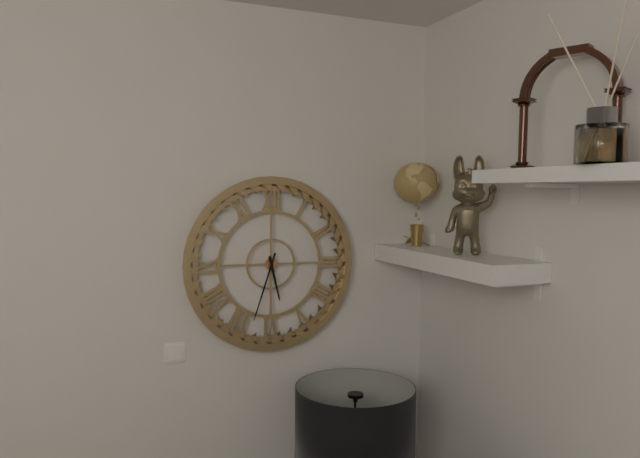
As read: 5h33
